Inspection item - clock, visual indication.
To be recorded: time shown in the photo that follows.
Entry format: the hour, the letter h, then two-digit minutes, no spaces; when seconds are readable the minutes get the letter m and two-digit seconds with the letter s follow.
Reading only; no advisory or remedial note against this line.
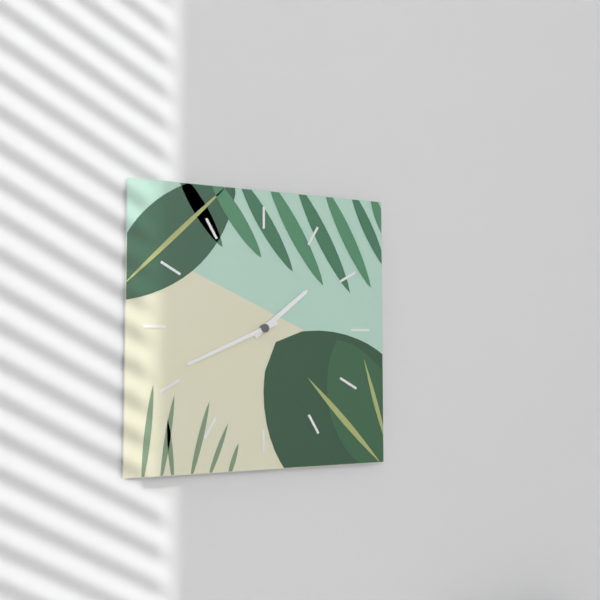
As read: 1h41
